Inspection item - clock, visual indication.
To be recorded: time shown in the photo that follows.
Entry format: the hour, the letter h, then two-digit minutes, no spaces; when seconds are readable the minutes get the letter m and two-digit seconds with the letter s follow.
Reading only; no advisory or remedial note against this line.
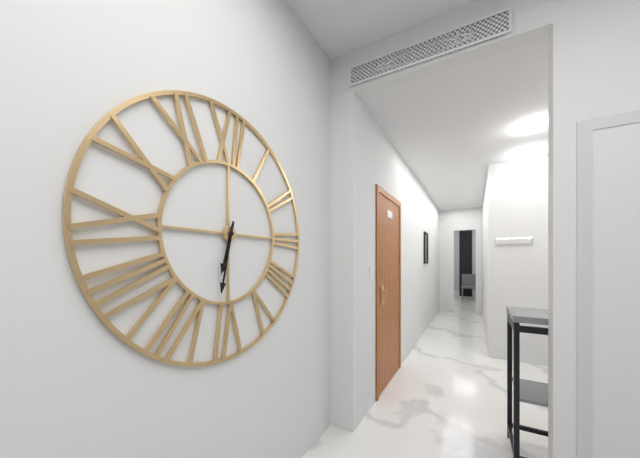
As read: 6h32
